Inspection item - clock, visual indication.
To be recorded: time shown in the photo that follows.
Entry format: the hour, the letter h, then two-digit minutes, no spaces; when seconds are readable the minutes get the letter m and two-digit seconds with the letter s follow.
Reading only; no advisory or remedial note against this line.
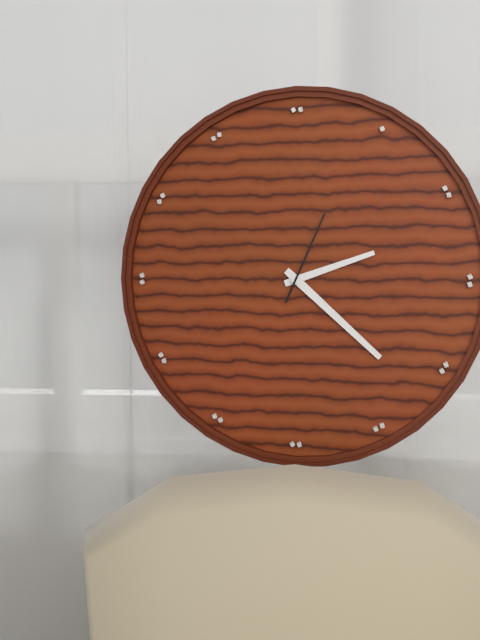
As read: 2h22m04s
